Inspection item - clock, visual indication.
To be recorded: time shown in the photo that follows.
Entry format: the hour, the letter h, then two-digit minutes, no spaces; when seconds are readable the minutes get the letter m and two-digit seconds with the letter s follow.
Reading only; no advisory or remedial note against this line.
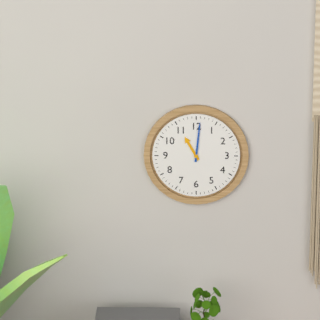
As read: 11h01
